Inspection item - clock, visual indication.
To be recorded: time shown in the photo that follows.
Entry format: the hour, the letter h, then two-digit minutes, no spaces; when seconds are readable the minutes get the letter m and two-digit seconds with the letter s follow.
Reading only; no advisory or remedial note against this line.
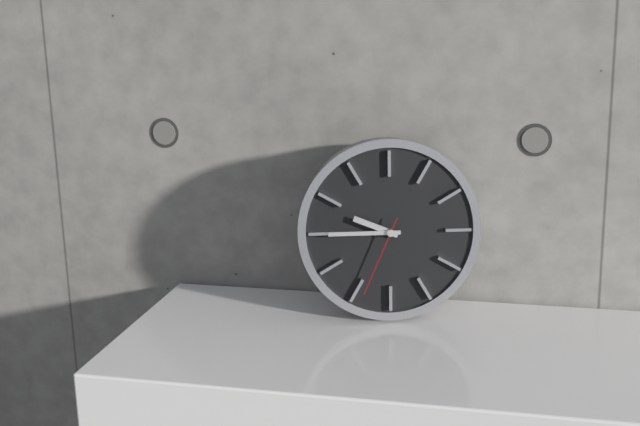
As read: 9h45m34s
